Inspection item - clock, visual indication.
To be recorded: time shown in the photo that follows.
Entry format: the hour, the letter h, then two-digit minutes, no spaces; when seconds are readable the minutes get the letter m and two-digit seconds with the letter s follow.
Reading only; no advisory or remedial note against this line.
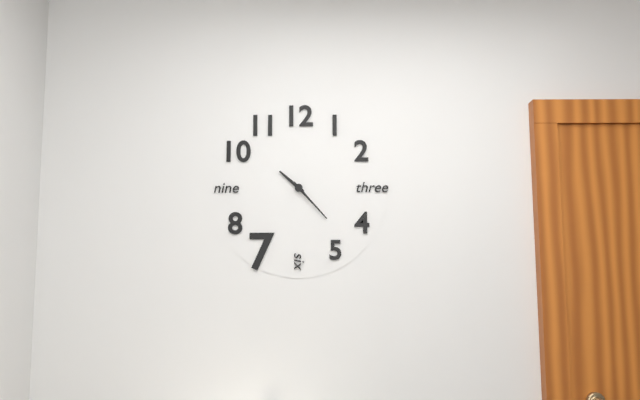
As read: 10h23
